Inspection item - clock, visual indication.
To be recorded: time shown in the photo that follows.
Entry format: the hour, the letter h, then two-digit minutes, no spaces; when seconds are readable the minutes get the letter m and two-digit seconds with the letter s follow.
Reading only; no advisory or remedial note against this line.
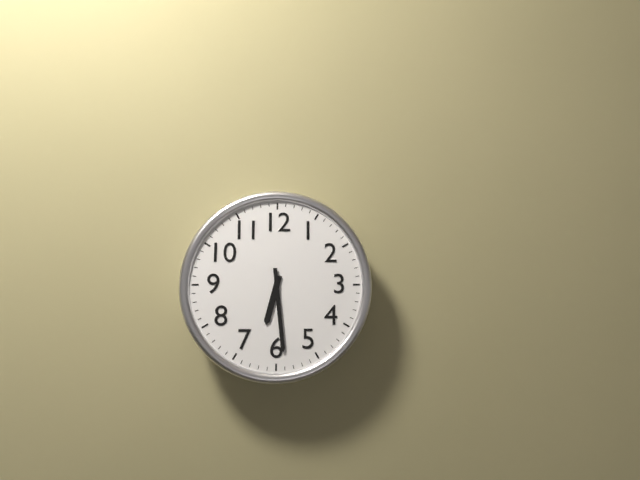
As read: 6h29
